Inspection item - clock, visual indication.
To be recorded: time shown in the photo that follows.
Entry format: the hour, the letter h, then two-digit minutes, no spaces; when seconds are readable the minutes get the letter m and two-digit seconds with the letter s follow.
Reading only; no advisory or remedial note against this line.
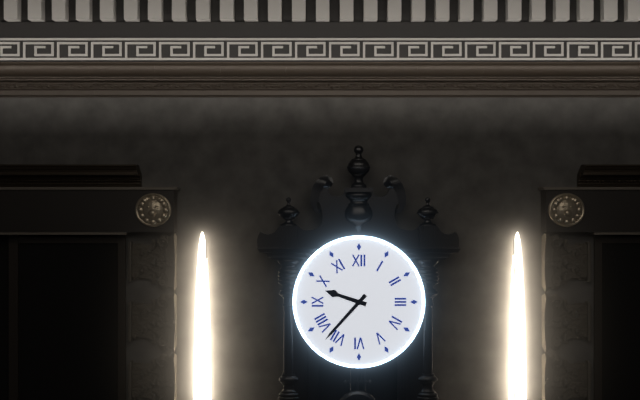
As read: 9h37
